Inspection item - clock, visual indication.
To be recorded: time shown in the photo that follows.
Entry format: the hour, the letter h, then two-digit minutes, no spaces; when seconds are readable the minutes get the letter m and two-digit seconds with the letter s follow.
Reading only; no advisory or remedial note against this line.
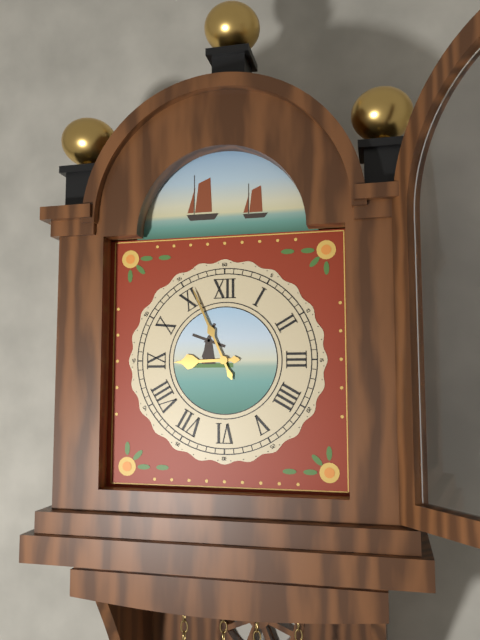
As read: 8h56
